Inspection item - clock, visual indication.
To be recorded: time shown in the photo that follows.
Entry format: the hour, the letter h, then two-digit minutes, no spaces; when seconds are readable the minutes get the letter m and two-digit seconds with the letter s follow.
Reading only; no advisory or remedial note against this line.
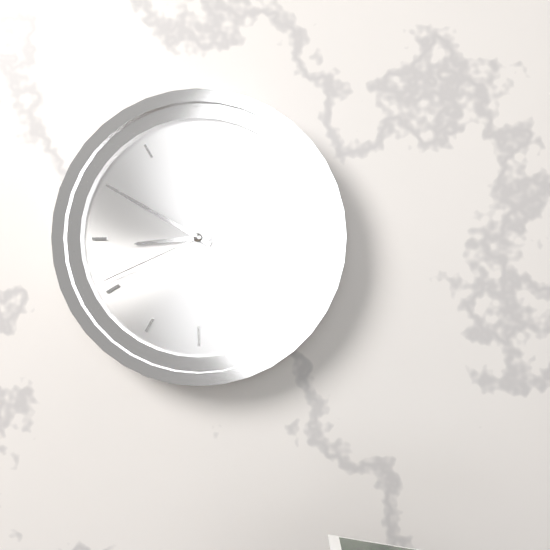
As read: 8h50m41s
